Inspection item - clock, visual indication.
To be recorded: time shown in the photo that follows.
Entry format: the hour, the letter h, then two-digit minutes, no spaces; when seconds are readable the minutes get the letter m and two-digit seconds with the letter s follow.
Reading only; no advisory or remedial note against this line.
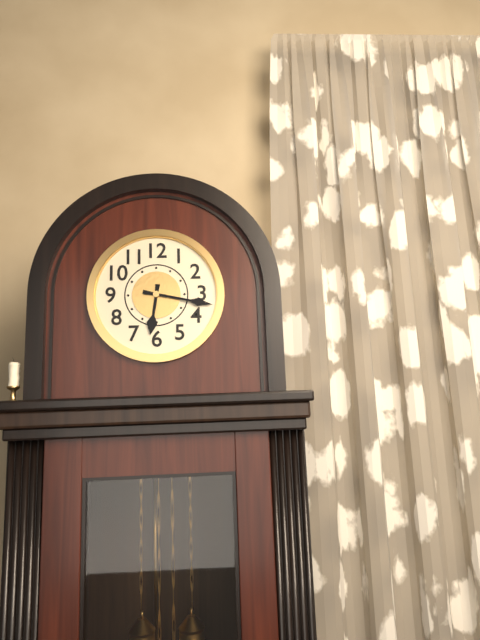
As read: 6h17
